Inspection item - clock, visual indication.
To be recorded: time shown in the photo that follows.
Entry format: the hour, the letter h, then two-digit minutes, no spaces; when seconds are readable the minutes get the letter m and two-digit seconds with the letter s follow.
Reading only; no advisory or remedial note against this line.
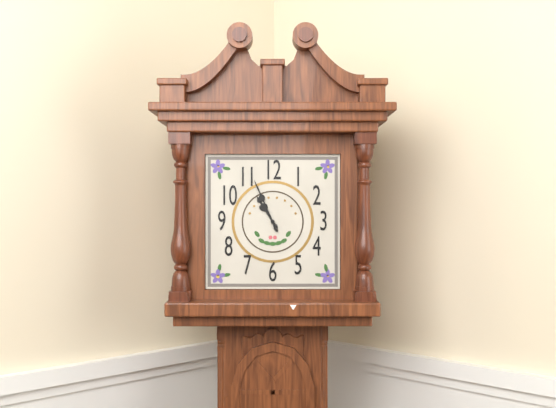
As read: 10h56
